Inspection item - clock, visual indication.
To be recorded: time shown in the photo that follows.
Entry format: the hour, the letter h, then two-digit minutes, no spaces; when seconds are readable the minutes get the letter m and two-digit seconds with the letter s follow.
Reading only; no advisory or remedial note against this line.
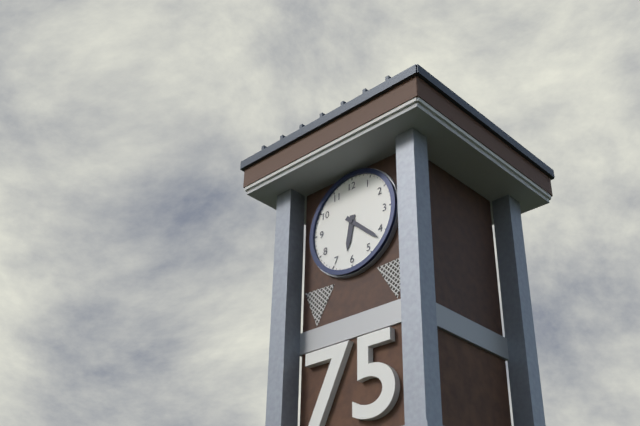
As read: 6h22
